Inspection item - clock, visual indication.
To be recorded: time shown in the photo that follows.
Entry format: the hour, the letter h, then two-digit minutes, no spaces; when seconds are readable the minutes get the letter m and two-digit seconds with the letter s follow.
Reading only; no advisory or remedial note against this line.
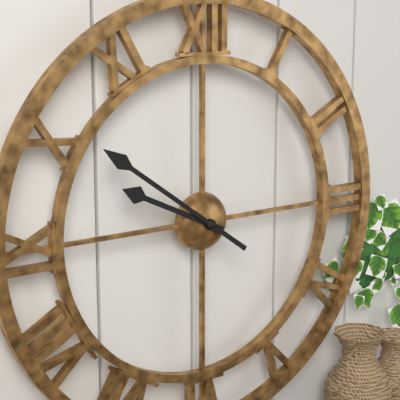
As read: 9h51
